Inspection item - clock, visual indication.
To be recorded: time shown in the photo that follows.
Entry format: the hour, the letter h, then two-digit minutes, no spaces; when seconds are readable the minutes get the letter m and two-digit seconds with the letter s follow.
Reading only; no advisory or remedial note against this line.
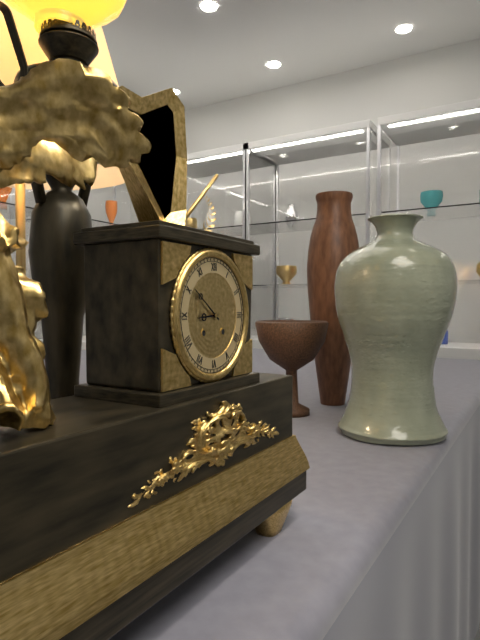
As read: 8h51
